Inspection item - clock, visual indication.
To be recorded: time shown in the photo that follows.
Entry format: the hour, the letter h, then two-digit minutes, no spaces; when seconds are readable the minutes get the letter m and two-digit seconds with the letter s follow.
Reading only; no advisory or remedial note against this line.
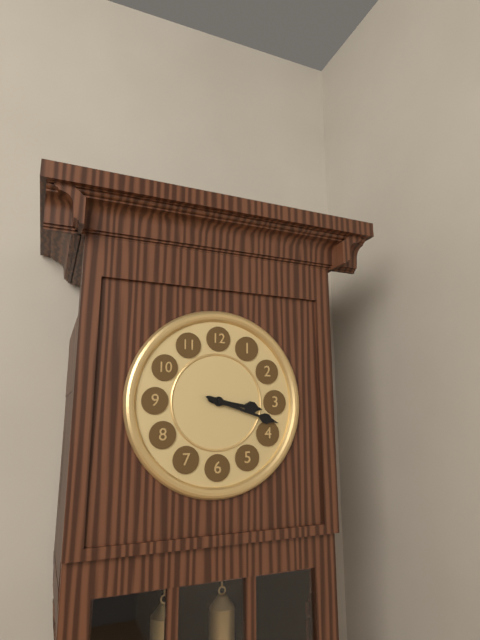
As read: 3h18
